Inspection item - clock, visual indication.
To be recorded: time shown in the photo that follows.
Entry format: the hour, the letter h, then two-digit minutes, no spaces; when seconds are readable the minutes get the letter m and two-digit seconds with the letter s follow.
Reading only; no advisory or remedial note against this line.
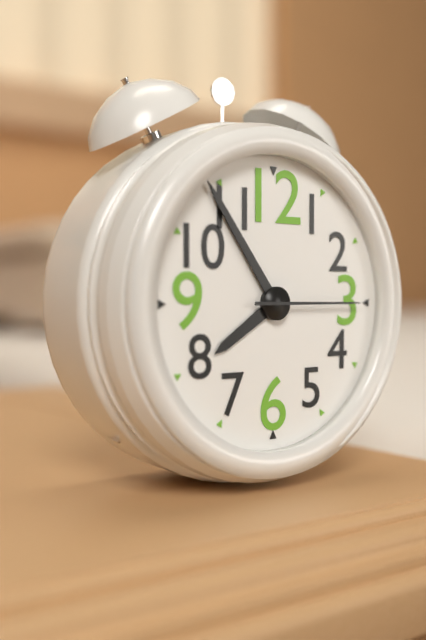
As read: 7h54m15s
